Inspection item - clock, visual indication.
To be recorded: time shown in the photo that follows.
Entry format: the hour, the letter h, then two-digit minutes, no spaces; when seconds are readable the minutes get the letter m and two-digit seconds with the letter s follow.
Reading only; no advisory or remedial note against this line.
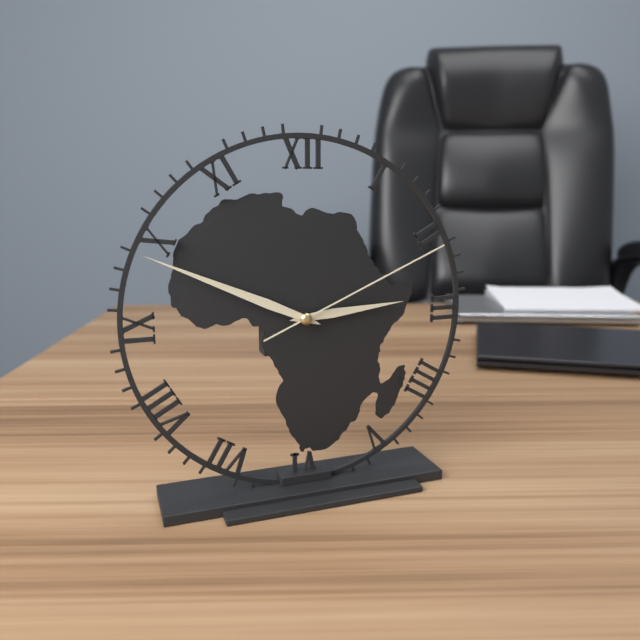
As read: 2h49m11s
